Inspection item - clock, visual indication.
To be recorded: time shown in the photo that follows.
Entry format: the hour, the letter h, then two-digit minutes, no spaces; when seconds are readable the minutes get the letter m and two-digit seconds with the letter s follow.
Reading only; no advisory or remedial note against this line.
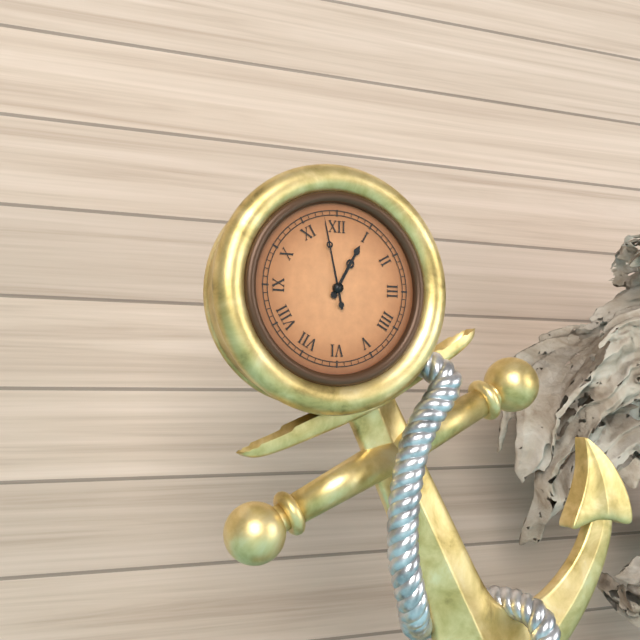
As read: 12h58
